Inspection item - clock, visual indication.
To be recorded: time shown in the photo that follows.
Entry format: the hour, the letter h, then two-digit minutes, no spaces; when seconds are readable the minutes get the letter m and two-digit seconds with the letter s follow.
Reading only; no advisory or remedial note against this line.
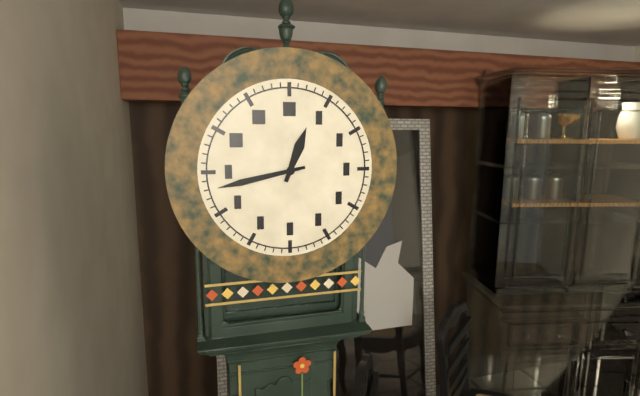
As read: 12h43
